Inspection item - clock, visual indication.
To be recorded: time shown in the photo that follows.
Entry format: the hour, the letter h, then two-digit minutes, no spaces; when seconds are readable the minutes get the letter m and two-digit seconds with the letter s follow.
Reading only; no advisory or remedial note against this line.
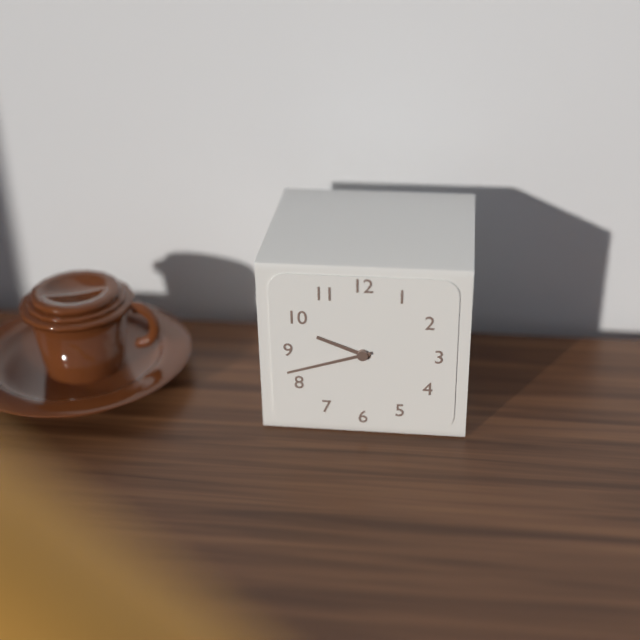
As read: 9h42
